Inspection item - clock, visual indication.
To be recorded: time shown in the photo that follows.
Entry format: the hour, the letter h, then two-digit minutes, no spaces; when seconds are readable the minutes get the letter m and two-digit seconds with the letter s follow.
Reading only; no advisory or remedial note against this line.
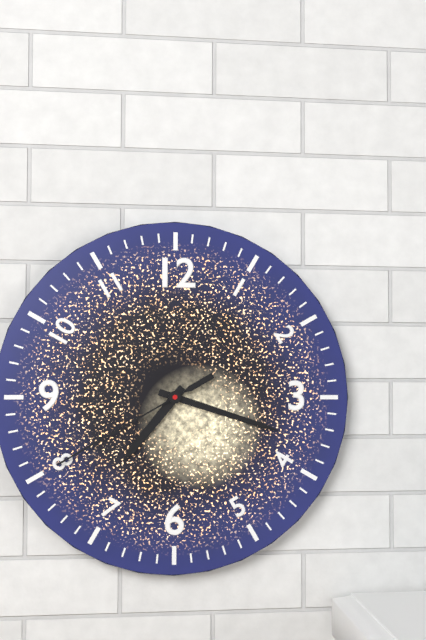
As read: 7h18m40s
